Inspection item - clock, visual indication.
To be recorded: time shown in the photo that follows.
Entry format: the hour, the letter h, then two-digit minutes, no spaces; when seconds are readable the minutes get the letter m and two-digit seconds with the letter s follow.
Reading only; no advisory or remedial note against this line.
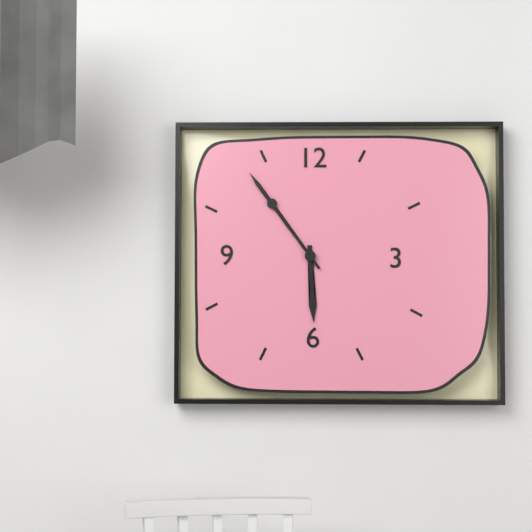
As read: 5h54
